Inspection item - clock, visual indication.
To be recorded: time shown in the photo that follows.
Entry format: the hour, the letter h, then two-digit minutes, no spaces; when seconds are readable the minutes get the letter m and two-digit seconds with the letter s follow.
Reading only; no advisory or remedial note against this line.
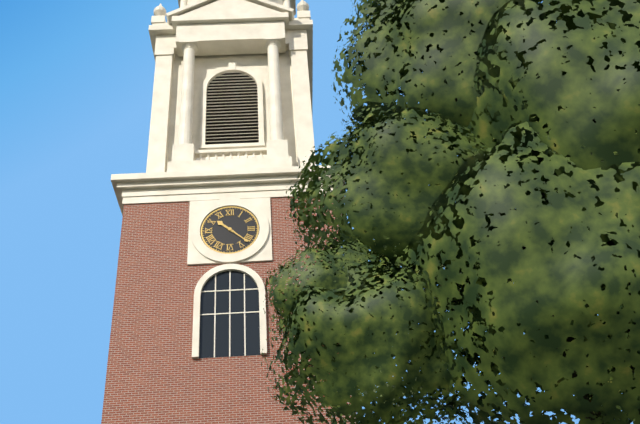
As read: 10h22
